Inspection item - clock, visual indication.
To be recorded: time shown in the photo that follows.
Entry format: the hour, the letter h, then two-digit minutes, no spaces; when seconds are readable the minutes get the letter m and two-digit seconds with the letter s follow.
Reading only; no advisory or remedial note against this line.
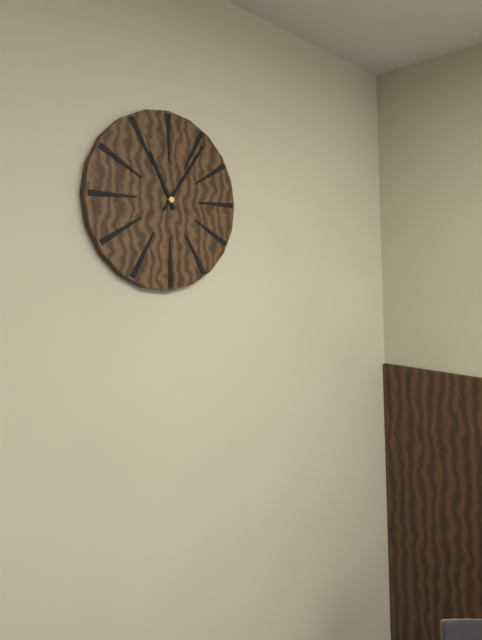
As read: 11h06
